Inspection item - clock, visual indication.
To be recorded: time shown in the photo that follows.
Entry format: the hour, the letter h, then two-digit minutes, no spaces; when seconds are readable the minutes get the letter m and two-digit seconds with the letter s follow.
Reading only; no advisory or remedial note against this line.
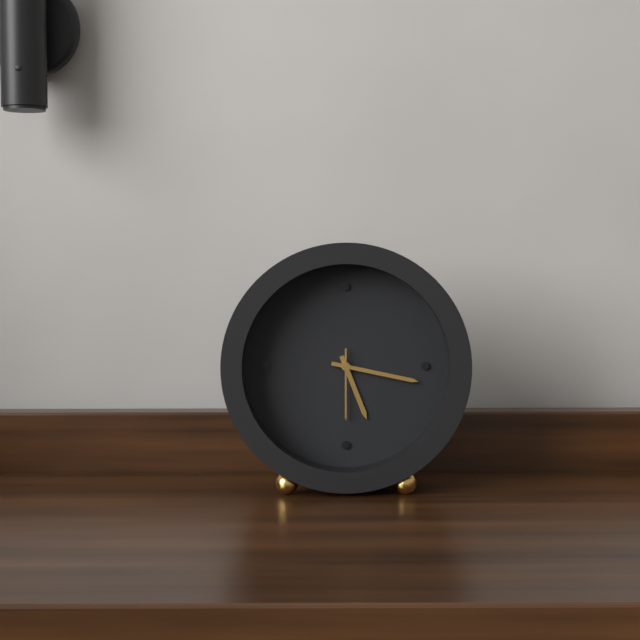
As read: 5h17m30s
